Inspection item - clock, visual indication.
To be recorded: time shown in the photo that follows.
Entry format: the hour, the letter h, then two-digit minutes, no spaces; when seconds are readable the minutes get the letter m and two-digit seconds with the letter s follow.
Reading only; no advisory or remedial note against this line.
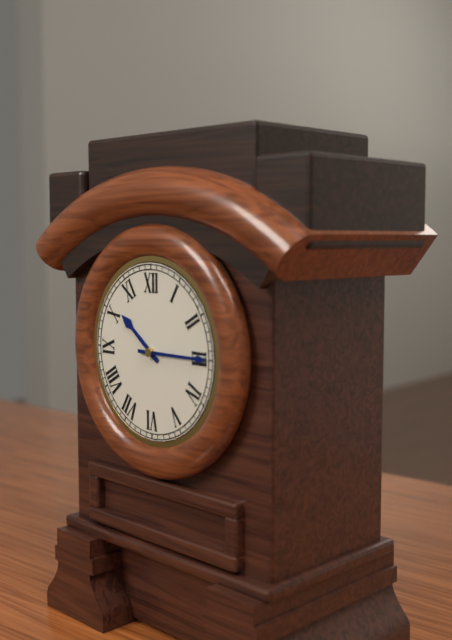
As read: 10h15
